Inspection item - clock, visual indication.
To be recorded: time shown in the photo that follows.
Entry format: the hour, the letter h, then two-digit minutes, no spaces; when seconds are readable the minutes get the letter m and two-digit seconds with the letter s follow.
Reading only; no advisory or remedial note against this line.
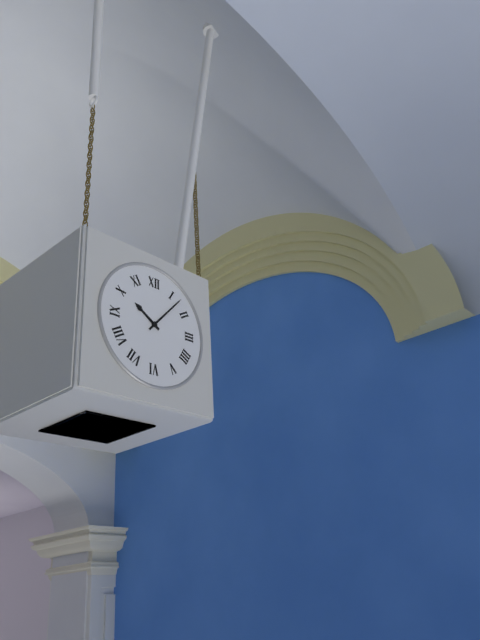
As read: 10h07
